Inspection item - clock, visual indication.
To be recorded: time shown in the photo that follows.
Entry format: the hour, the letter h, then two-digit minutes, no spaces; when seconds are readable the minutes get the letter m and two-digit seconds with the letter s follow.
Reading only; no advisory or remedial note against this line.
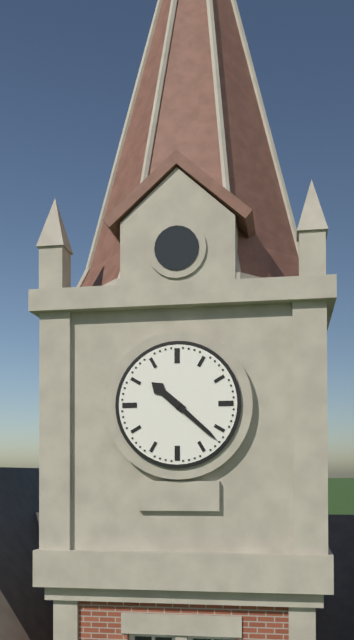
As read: 10h22
